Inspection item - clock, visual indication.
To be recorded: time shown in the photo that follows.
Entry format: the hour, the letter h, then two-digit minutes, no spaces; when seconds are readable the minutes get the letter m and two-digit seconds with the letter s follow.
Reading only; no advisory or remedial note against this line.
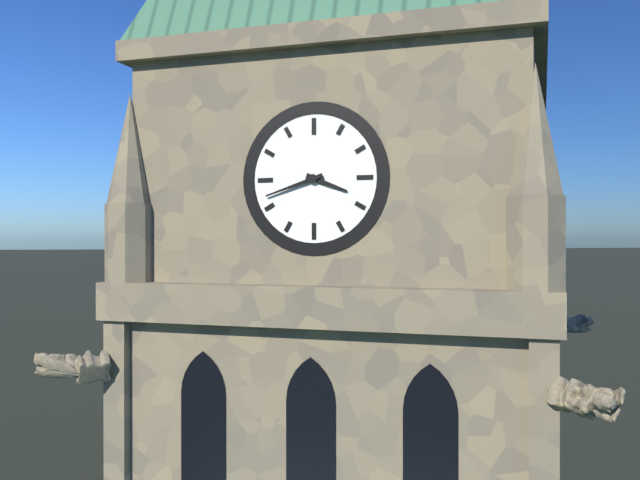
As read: 3h42
